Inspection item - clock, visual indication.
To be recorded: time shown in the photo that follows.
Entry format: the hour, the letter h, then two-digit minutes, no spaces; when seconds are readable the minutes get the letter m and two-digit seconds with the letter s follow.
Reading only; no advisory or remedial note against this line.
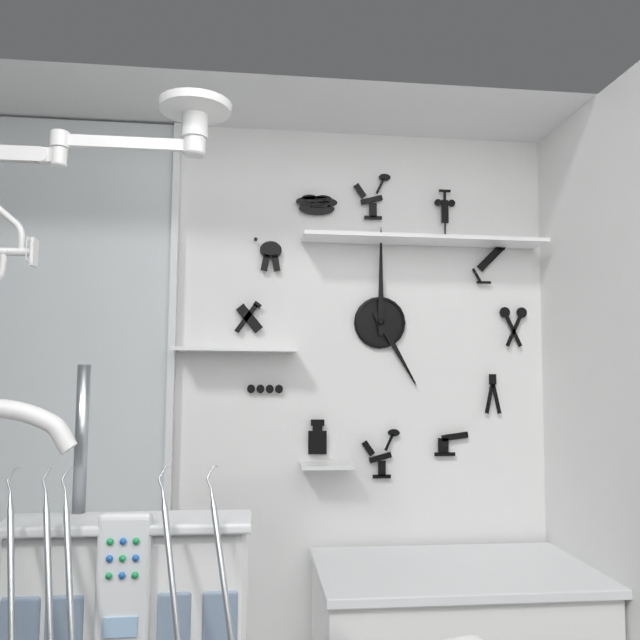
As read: 5h00
